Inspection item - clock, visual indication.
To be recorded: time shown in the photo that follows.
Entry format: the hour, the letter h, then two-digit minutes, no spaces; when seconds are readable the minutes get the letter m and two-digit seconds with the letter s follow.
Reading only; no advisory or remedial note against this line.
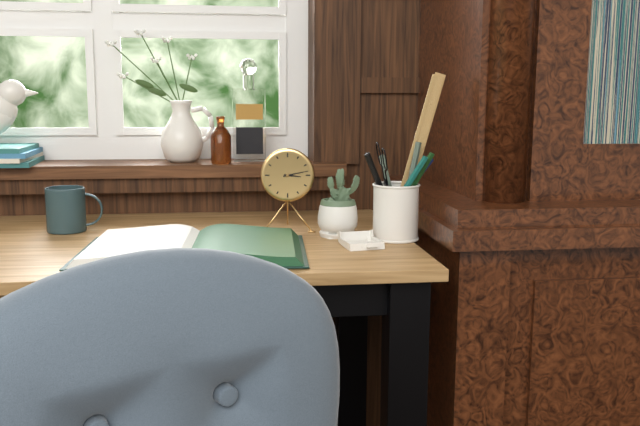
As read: 3h13
